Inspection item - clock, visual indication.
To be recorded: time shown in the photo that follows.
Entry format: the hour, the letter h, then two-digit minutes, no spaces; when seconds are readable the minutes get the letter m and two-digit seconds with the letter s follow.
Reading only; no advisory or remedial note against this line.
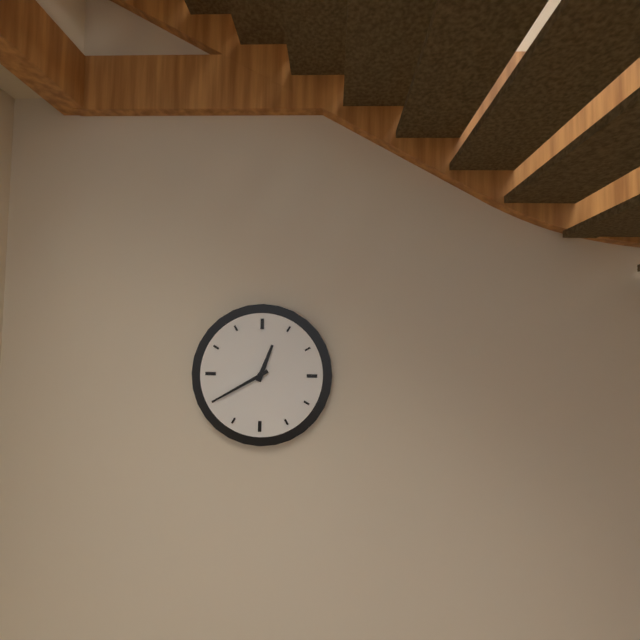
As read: 12h40
